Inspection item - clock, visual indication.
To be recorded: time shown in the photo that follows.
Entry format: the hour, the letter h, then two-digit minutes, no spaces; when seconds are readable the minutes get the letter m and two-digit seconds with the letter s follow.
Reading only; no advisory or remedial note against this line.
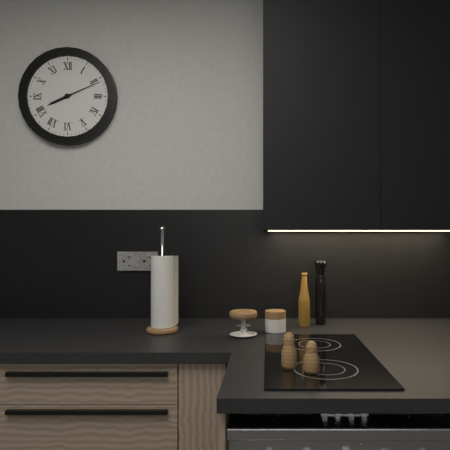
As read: 8h11
